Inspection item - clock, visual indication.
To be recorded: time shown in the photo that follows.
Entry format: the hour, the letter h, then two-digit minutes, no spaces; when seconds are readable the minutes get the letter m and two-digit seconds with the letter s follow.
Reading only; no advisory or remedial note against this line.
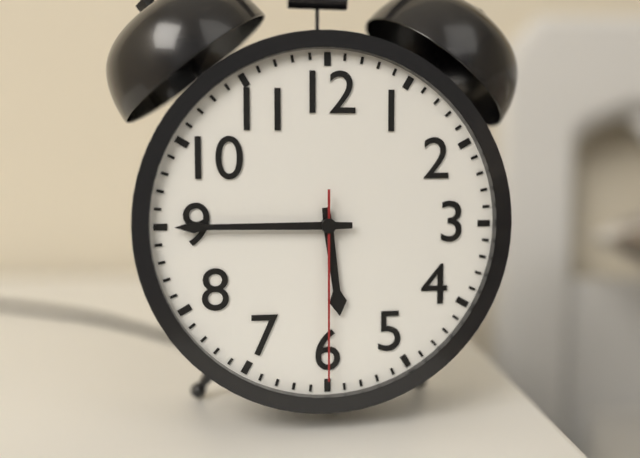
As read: 5h45m30s
